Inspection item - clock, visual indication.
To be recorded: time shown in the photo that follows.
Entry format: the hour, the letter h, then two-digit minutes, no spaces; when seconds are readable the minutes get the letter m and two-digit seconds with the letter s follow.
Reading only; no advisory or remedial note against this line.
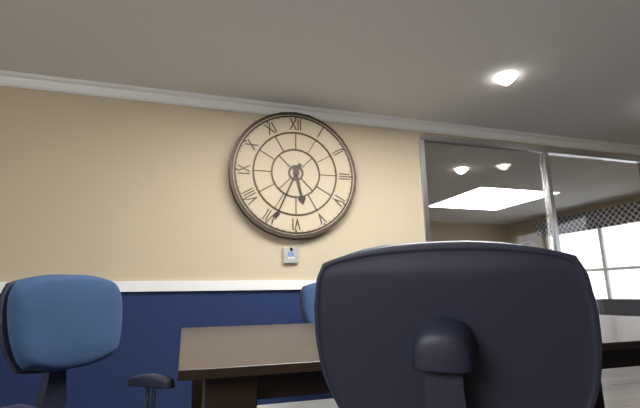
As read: 5h34
